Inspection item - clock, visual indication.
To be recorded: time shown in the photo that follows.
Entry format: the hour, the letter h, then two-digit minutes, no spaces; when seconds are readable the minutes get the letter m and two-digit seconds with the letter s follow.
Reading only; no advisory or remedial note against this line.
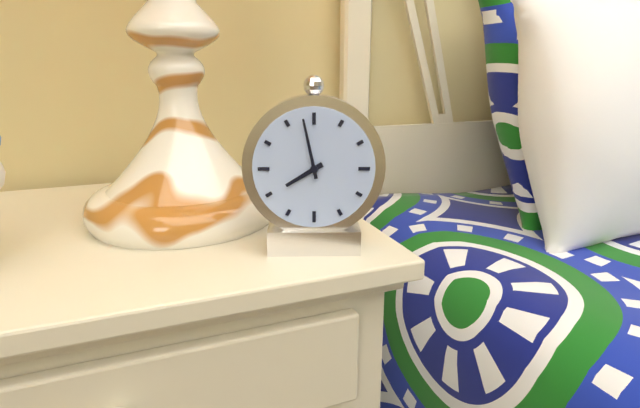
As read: 7h58
